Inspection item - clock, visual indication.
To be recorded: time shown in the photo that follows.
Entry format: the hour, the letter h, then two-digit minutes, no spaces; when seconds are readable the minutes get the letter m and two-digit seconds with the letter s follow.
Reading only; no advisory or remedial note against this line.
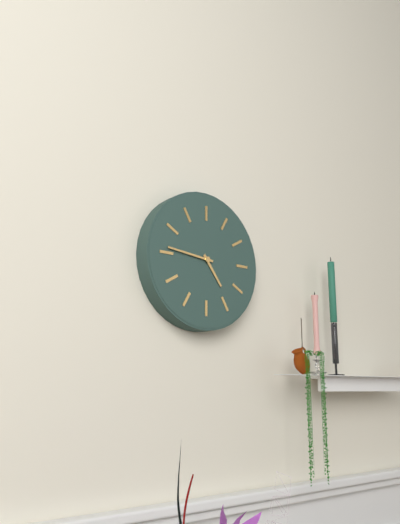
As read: 4h46
